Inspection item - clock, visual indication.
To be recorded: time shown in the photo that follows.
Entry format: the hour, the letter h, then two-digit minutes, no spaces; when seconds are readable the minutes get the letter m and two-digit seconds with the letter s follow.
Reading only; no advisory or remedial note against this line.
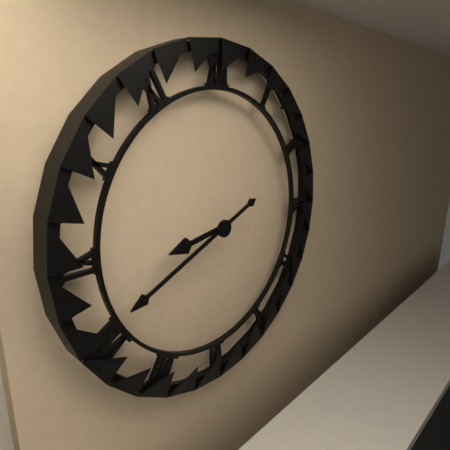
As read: 8h41
